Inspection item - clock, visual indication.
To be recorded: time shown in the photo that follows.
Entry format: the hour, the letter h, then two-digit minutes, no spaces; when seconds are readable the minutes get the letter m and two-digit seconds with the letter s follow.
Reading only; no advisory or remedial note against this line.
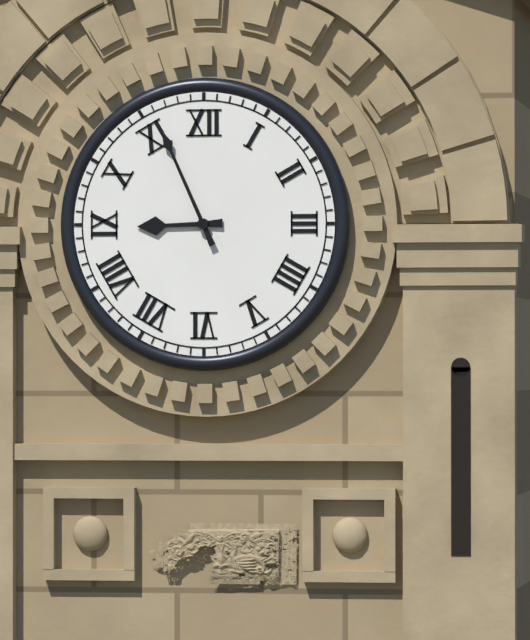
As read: 8h56
